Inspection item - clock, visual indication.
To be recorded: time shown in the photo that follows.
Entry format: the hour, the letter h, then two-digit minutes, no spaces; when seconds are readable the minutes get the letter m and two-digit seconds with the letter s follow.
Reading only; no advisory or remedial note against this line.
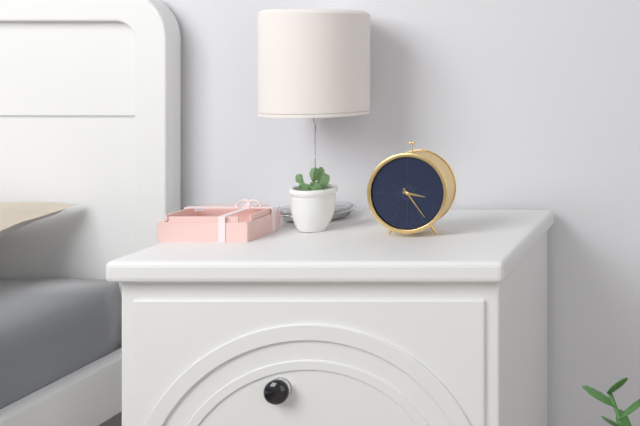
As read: 3h24
